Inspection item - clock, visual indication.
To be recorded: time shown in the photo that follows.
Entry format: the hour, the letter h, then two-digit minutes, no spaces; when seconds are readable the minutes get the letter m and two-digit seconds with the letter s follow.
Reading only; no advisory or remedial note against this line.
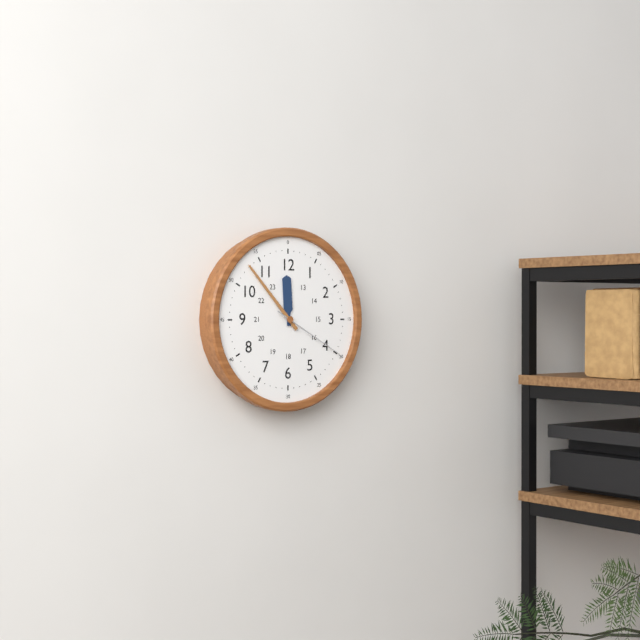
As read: 11h53m20s
